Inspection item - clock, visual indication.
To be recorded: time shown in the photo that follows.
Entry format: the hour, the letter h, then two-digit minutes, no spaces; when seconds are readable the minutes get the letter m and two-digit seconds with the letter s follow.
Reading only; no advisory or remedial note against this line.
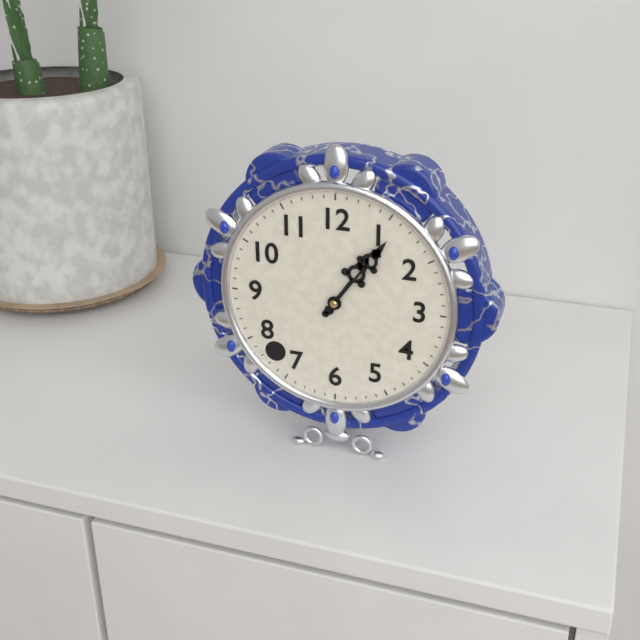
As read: 1h06
